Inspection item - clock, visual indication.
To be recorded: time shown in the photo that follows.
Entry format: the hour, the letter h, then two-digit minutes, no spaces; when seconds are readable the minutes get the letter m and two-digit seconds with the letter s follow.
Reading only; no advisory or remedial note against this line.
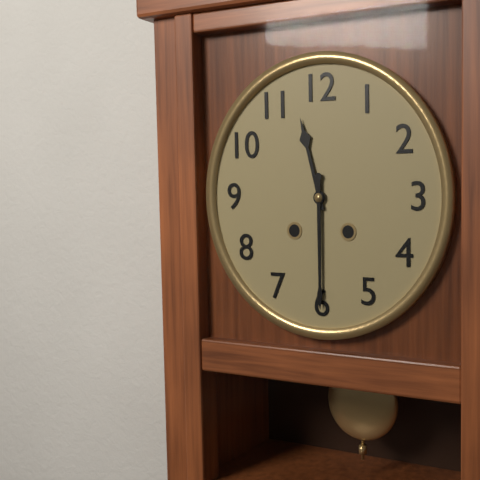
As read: 11h30
